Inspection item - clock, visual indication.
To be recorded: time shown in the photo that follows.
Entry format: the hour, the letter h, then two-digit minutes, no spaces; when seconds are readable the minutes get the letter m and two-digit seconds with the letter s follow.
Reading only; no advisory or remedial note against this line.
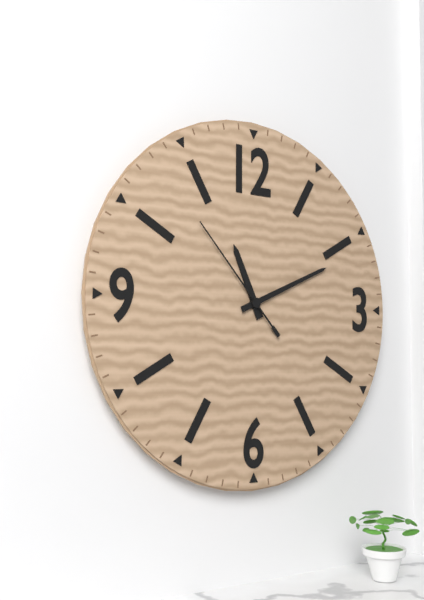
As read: 11h11m53s
